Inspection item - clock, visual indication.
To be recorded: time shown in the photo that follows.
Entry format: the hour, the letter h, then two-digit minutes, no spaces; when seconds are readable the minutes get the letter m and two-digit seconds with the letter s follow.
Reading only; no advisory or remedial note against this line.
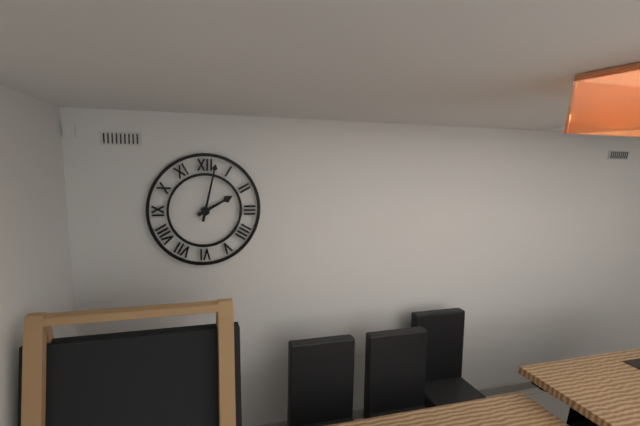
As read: 2h02
